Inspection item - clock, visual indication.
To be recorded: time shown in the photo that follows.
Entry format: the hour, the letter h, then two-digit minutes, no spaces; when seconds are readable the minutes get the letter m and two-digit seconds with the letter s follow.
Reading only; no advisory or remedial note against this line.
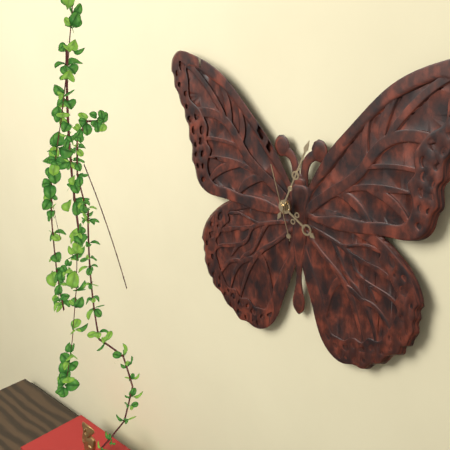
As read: 4h04m57s
